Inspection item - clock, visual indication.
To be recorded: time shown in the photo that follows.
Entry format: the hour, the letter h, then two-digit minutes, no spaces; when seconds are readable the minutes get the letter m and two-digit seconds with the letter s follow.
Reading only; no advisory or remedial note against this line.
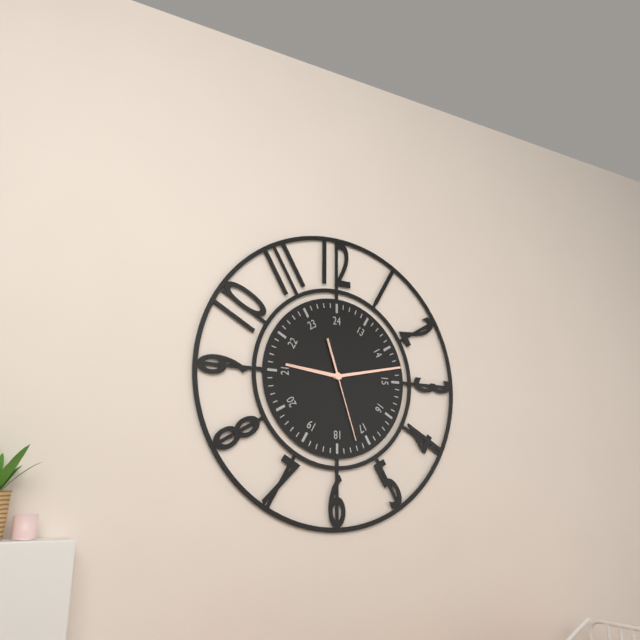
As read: 9h13m27s
